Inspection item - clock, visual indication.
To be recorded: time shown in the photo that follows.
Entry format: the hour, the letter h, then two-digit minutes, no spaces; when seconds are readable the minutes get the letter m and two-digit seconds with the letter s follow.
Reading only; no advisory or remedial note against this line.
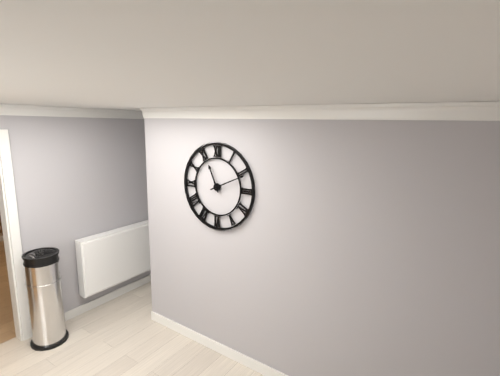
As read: 11h11
